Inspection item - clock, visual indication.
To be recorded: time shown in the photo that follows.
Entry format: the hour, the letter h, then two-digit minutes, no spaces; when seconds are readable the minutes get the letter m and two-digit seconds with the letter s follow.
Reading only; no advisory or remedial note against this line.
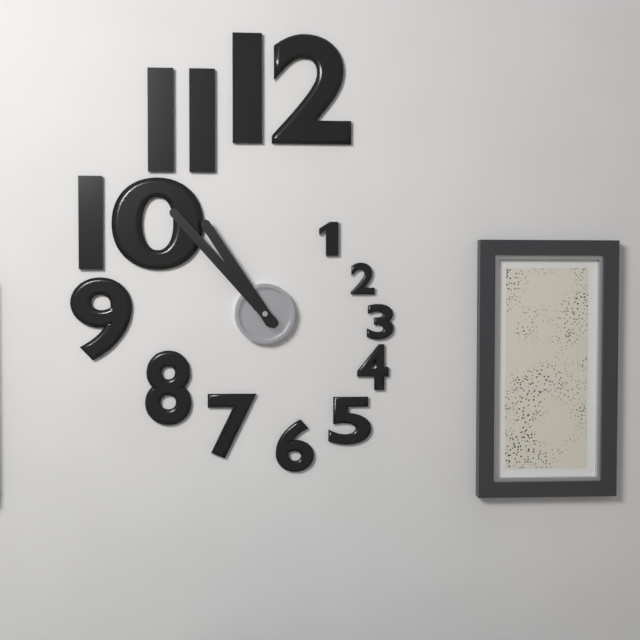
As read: 10h53
